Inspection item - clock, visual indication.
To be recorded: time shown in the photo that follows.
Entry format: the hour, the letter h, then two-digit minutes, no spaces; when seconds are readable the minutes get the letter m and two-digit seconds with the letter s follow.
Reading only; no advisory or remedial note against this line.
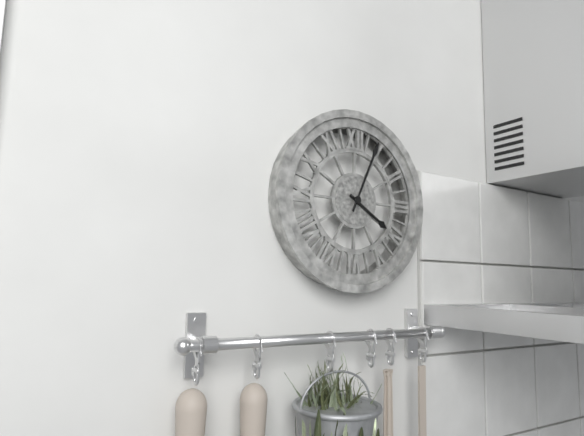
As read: 4h04
